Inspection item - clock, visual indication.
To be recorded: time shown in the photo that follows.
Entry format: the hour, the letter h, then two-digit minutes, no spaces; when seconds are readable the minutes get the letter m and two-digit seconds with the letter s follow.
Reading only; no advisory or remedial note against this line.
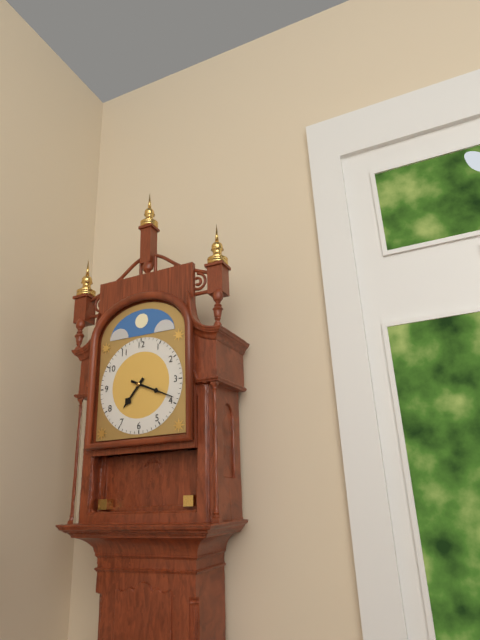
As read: 7h19
